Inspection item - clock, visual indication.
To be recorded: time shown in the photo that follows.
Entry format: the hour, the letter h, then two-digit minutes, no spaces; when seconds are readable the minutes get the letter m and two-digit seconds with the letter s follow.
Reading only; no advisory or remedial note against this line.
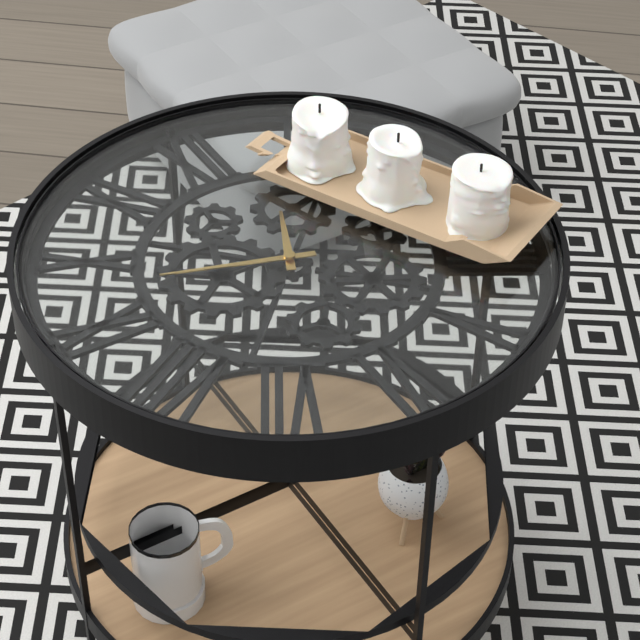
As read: 12h48
